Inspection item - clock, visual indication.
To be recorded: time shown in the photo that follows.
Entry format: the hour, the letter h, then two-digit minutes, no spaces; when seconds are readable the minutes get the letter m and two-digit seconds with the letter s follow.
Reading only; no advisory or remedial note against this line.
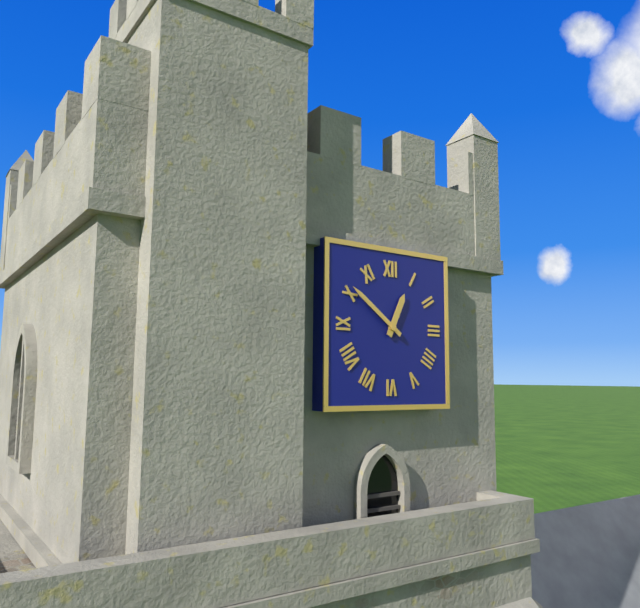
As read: 12h51
